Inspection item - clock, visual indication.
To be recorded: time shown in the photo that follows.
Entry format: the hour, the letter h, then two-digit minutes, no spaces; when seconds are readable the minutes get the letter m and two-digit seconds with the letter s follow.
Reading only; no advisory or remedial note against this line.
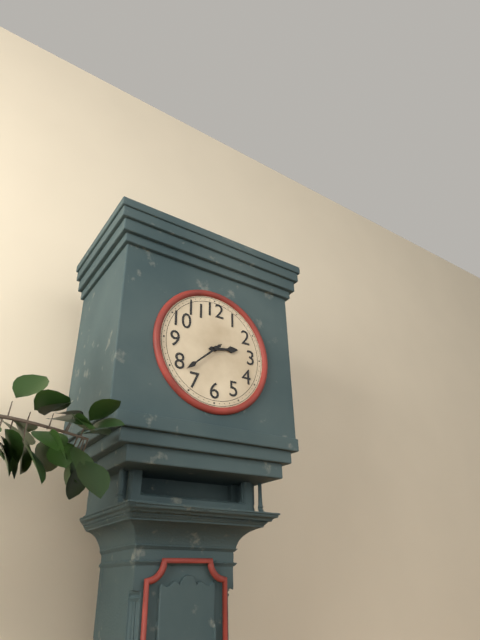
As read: 2h38
